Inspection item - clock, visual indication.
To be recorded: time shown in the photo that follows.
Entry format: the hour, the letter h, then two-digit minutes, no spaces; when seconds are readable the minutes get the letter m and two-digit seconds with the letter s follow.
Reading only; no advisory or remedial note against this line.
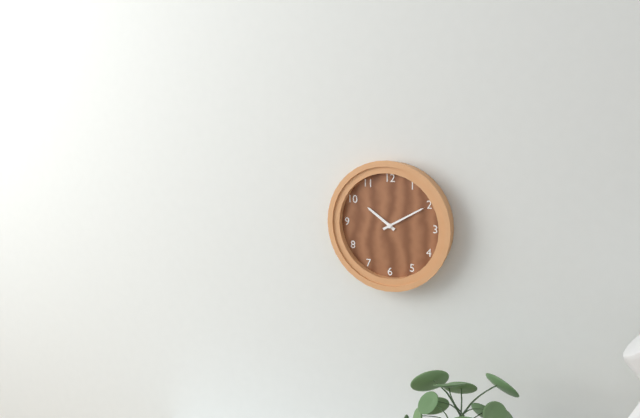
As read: 10h10
